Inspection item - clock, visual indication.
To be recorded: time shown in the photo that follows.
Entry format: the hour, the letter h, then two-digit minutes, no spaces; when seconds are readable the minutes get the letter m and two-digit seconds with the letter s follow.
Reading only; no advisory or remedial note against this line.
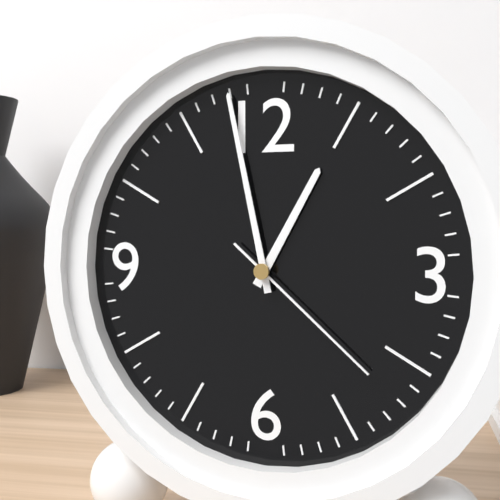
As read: 12h58m22s
